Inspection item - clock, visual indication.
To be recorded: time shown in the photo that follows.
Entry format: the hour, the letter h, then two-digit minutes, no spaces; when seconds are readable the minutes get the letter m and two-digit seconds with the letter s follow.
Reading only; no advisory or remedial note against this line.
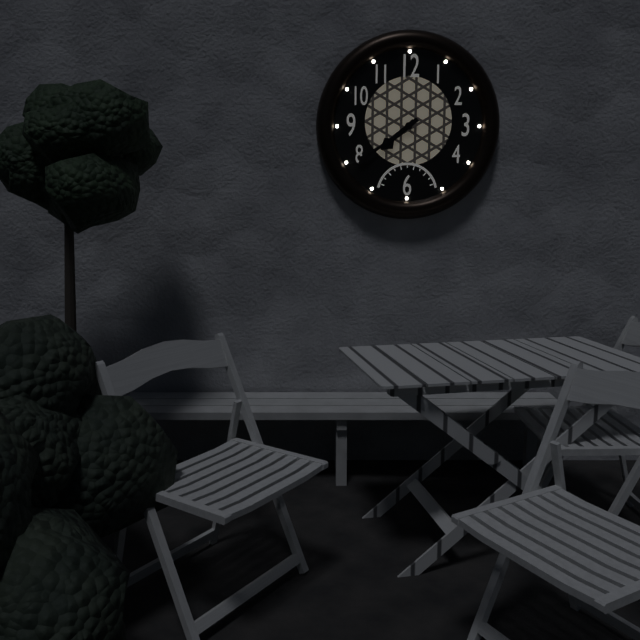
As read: 7h39
